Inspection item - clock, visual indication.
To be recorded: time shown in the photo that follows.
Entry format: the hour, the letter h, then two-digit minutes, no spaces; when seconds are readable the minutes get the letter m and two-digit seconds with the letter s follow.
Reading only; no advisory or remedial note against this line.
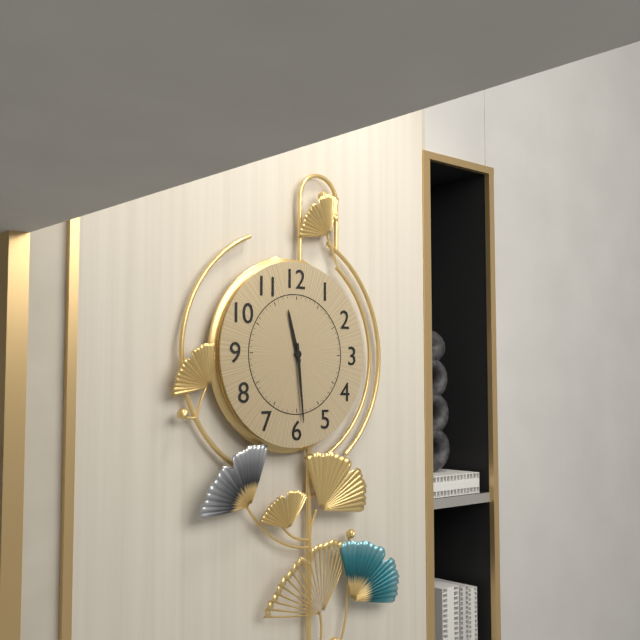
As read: 11h29
